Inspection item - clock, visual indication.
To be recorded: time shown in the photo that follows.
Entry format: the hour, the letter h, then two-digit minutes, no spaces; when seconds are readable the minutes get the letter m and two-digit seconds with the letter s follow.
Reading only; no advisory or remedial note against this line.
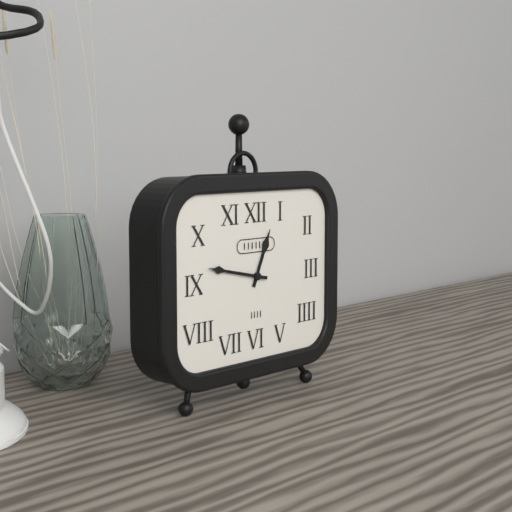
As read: 12h47
